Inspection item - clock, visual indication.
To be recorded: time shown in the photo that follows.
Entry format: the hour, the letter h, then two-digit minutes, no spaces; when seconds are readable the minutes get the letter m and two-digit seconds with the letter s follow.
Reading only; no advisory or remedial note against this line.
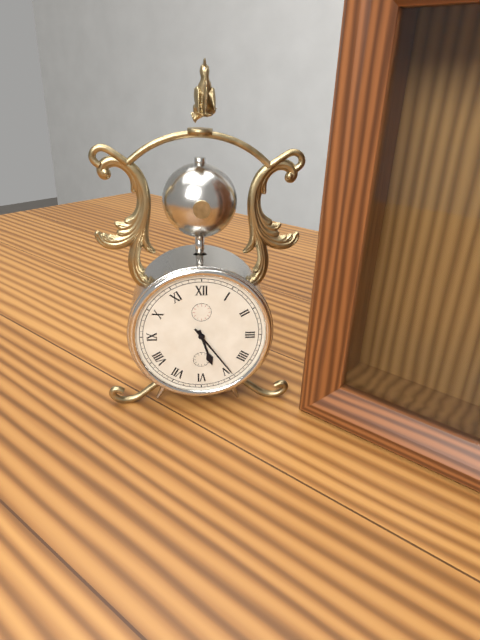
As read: 5h24
